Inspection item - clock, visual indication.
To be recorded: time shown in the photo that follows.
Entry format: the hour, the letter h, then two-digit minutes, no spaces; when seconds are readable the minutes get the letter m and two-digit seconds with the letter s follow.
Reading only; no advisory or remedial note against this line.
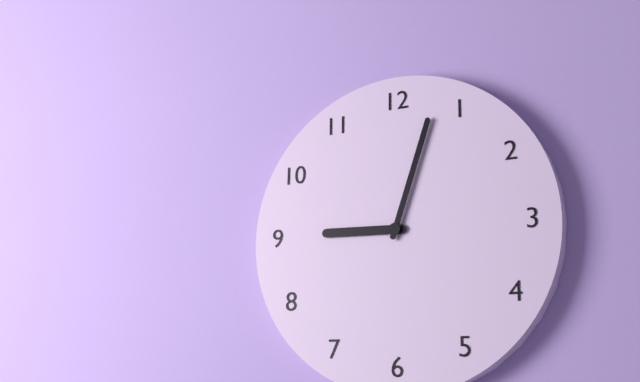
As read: 9h03
